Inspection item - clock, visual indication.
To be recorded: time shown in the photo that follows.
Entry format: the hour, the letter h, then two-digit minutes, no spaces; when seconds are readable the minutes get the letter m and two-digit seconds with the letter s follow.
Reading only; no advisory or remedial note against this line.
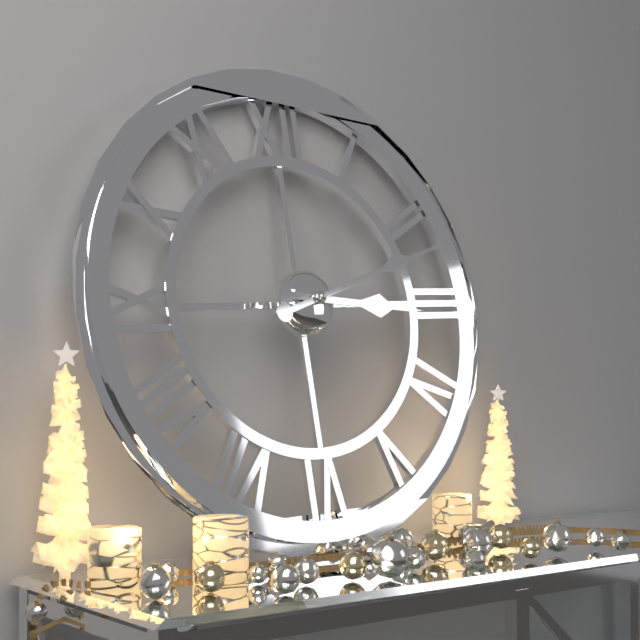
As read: 3h12
